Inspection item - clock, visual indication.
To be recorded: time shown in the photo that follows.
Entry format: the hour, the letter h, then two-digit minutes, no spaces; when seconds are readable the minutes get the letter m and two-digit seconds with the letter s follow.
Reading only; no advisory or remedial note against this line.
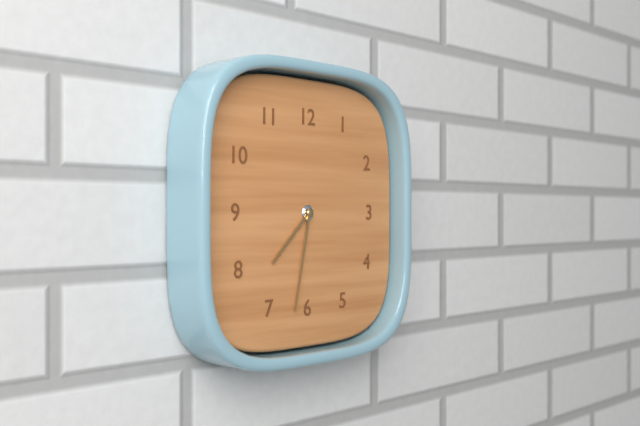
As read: 7h32
